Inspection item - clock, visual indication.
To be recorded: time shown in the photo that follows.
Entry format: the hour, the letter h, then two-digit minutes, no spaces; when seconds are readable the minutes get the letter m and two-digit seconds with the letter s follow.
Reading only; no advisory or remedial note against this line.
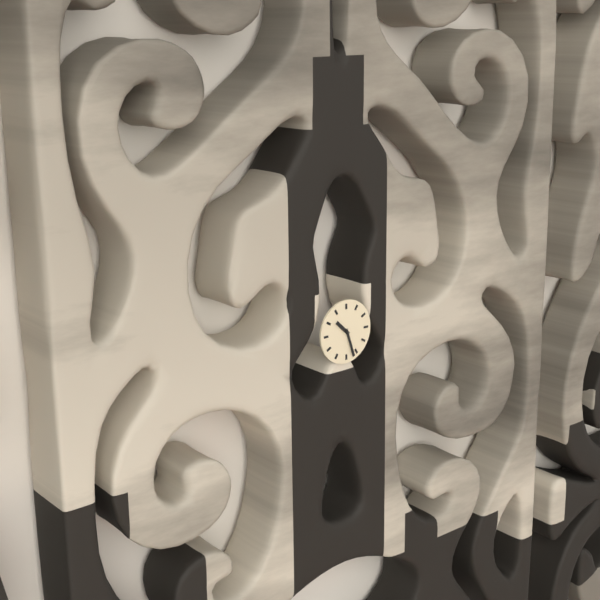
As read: 10h27
